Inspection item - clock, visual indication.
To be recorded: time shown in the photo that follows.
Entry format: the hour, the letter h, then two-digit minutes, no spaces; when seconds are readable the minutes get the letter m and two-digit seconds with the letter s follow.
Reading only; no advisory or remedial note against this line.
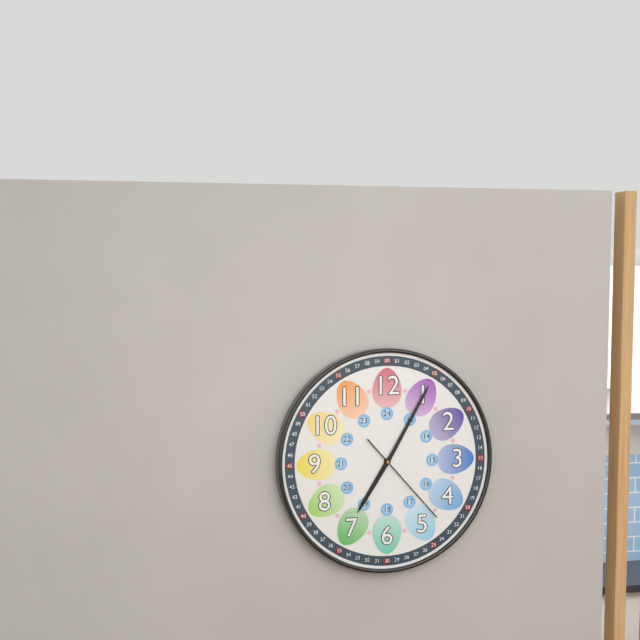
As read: 7h05m23s
